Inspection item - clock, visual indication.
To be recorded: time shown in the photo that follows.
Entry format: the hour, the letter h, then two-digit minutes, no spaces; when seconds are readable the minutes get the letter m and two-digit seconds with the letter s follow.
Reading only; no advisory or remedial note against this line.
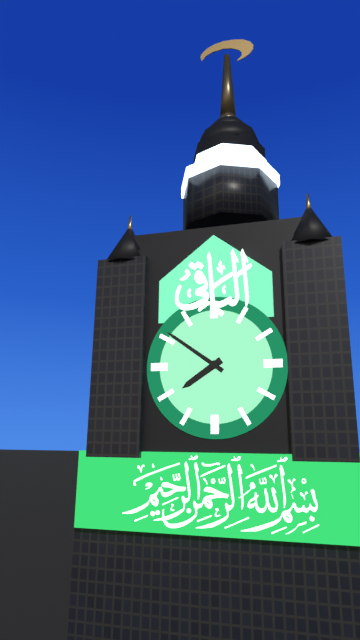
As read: 7h51
